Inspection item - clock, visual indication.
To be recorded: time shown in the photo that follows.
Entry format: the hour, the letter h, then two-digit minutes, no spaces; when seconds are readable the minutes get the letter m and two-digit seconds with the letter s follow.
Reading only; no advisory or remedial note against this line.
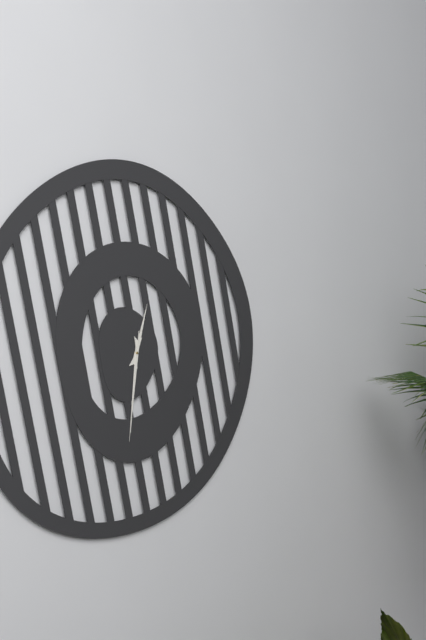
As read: 12h31m31s
